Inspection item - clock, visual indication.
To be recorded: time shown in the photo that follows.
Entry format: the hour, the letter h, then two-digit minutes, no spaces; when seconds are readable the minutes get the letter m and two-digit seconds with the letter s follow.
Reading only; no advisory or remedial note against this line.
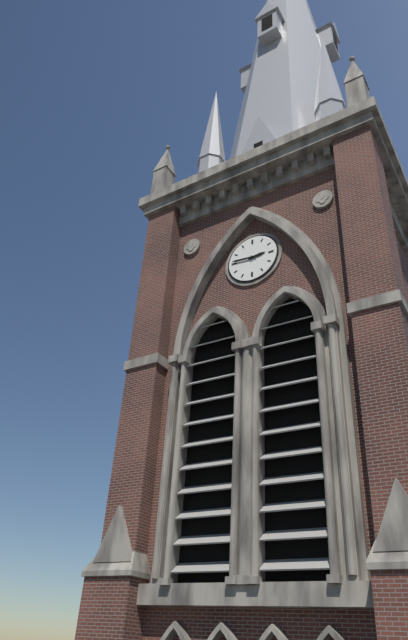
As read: 2h46
